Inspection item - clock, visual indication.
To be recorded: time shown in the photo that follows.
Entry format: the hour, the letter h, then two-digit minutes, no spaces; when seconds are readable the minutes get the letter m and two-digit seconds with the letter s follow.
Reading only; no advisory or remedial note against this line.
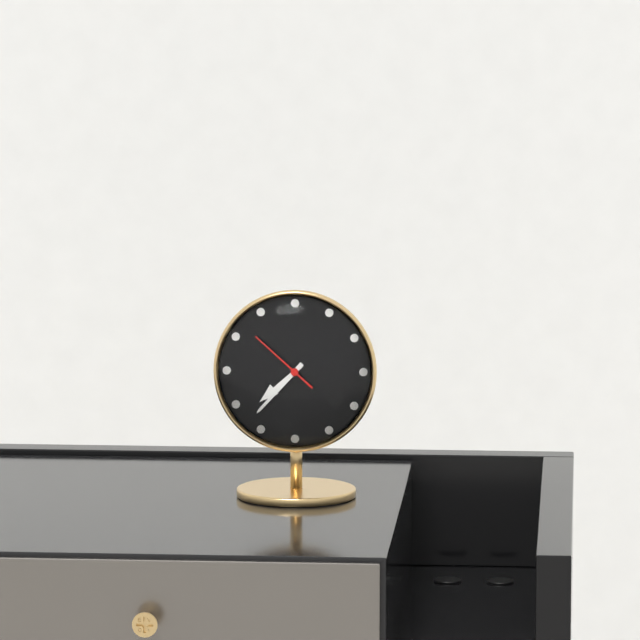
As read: 7h37m52s
